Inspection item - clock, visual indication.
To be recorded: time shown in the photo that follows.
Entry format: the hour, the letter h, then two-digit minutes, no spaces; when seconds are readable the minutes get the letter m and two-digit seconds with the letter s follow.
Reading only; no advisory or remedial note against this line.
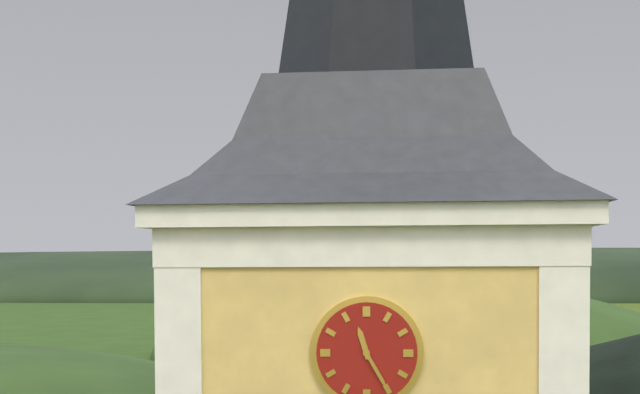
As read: 11h25
